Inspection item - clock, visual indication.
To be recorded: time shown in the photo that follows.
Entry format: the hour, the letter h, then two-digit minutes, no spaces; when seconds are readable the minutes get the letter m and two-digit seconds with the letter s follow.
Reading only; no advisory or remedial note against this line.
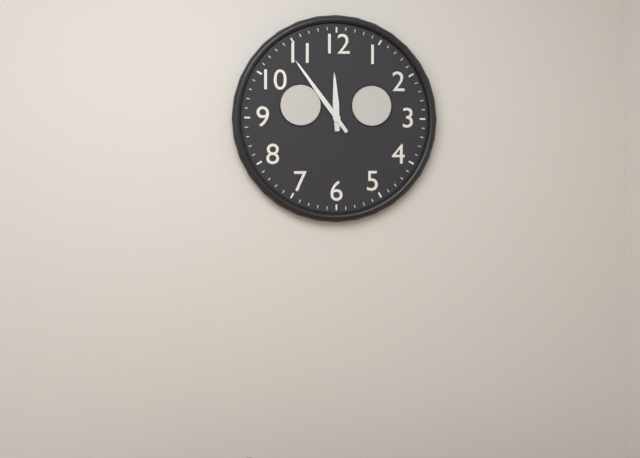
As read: 11h54
